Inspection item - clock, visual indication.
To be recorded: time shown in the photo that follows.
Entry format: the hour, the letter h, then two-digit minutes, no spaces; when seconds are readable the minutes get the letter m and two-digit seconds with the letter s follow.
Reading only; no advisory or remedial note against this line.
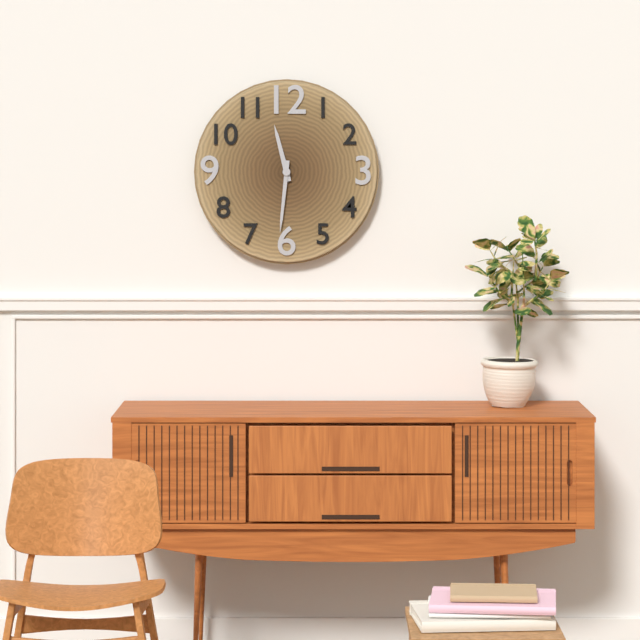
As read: 11h31
